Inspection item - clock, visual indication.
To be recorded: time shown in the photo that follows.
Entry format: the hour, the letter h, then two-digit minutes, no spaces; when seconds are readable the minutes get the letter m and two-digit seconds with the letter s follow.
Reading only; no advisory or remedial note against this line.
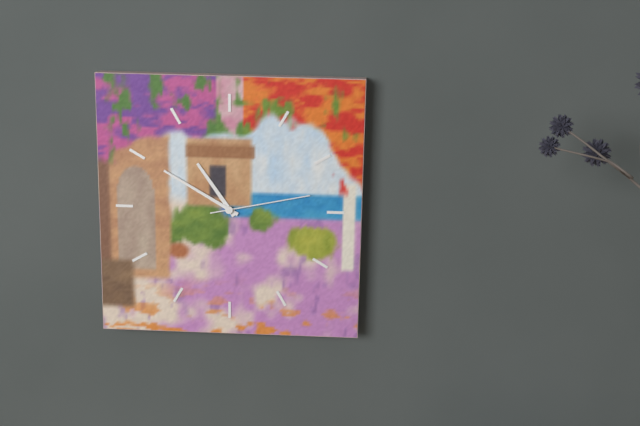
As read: 10h50m13s
